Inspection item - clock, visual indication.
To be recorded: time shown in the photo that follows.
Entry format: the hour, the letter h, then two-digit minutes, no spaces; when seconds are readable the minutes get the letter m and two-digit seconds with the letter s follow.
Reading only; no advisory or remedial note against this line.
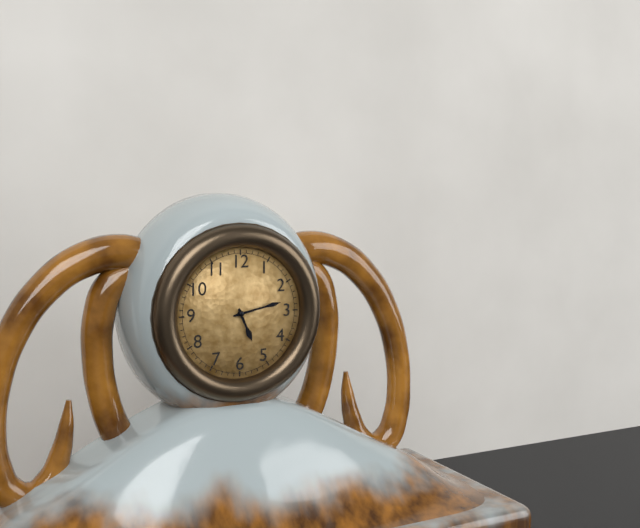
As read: 5h13
